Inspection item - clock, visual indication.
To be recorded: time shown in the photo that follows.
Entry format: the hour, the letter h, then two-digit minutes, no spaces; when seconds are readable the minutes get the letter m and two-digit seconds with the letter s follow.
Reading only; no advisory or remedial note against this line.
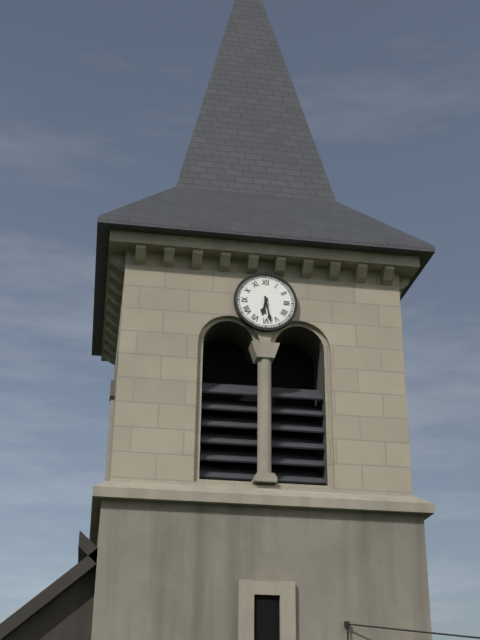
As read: 6h28
